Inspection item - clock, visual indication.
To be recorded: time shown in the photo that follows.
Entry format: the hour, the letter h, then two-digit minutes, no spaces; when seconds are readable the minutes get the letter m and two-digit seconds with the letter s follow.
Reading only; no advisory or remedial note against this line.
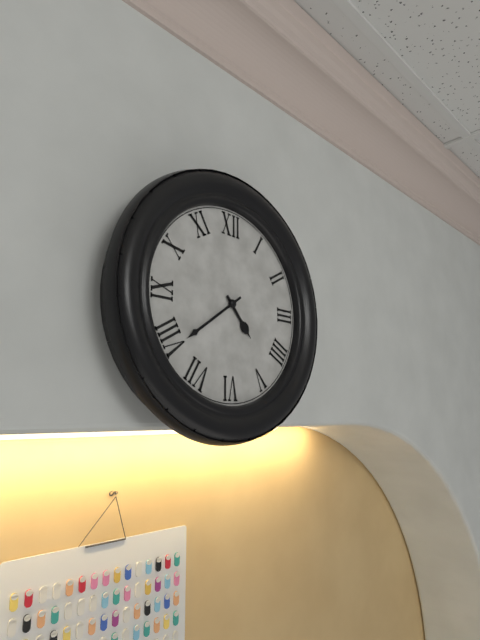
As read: 4h39
